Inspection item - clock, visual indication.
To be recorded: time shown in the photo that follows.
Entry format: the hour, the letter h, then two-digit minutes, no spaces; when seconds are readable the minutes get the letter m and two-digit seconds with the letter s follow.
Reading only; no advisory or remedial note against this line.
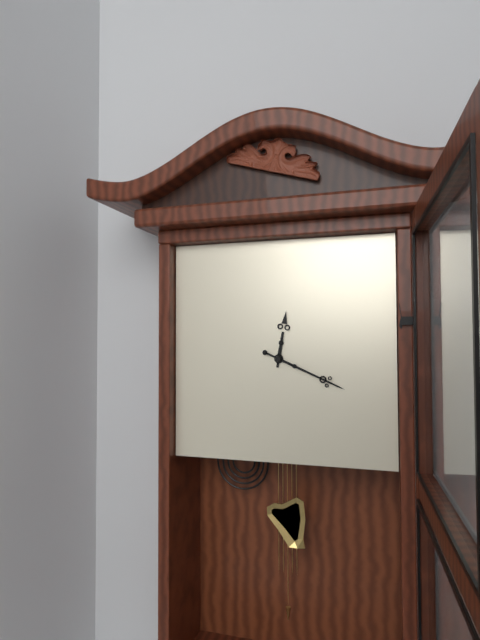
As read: 12h19
